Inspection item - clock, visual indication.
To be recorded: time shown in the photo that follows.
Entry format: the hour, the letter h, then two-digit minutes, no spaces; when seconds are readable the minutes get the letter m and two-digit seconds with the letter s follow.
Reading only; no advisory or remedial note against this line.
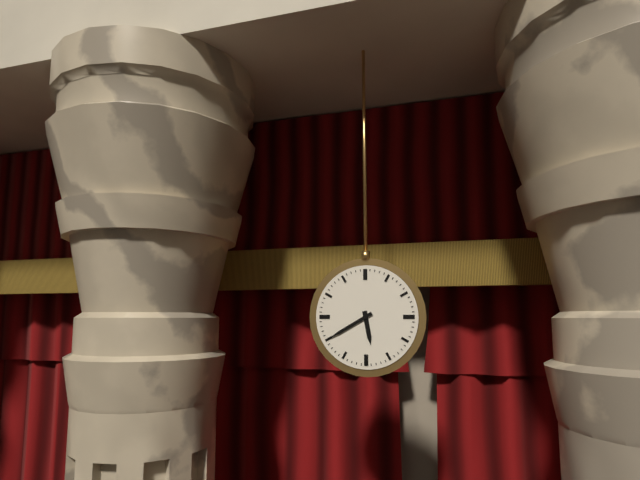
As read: 5h40
